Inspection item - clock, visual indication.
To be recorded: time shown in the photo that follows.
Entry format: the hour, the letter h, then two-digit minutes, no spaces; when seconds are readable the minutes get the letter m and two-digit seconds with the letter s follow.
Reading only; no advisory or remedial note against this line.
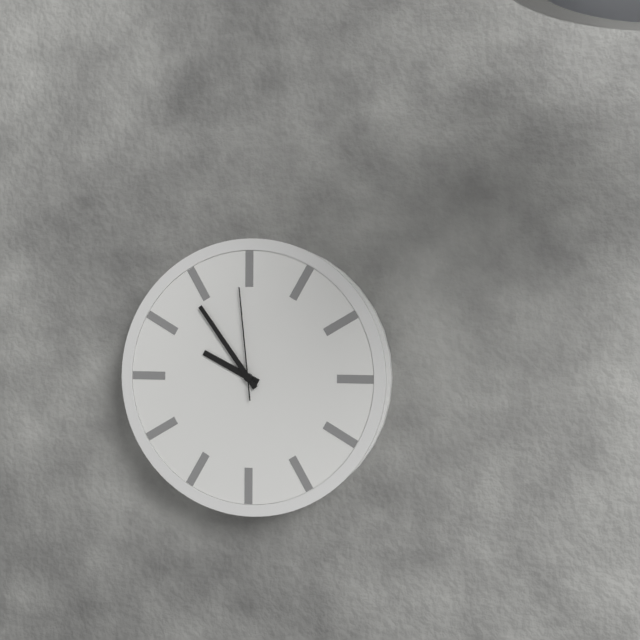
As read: 9h54m59s
